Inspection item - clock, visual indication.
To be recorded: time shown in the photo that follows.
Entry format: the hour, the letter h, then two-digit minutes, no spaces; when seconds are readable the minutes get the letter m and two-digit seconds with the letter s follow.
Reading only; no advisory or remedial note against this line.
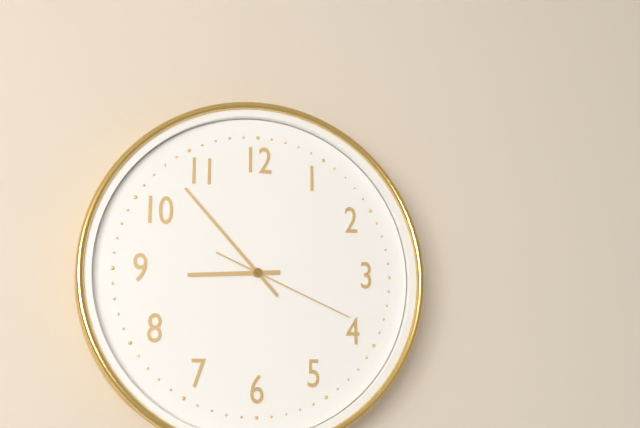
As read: 8h53m19s
